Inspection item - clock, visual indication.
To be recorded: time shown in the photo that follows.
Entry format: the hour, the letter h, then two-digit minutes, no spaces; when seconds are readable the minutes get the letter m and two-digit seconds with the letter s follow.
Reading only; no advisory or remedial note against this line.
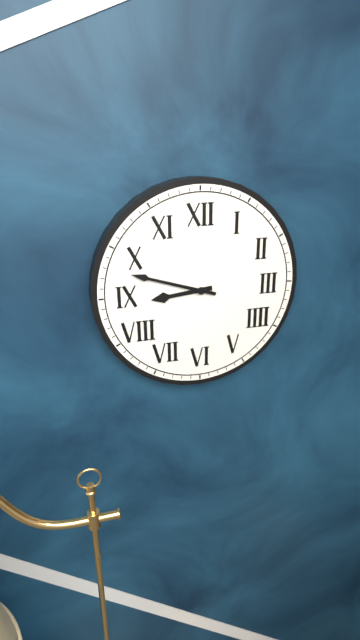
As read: 8h48
